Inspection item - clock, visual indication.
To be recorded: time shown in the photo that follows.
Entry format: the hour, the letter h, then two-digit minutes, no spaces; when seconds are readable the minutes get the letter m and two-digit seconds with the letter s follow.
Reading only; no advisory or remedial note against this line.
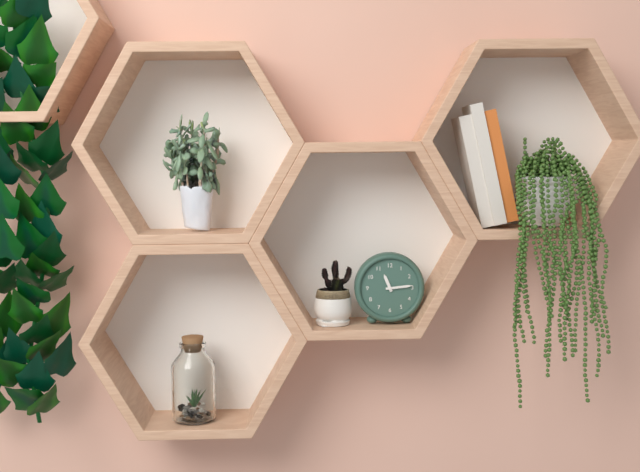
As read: 11h14
